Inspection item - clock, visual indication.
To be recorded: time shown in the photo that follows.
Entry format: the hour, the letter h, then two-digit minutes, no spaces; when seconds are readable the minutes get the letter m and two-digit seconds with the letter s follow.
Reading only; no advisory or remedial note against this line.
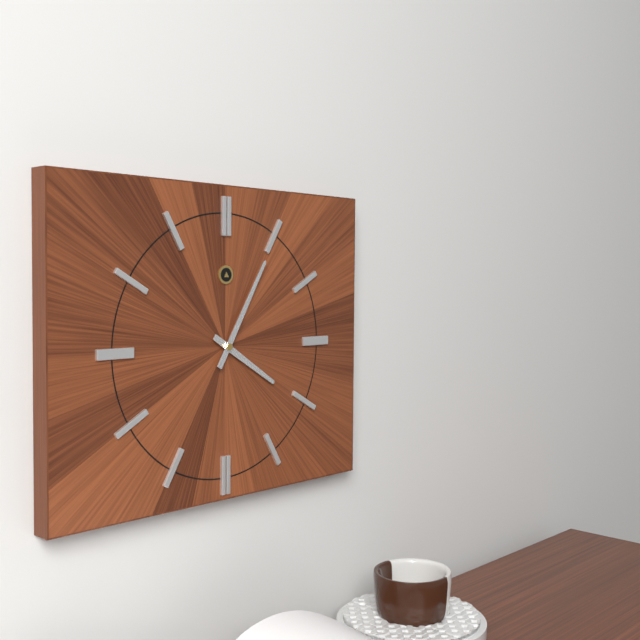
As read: 4h05
